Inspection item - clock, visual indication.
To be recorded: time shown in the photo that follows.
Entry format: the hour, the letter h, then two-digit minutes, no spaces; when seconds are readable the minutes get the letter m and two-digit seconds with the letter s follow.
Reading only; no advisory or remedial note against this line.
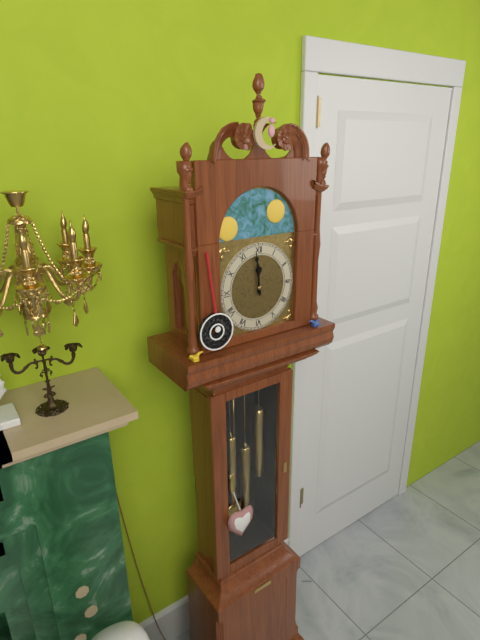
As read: 11h59
